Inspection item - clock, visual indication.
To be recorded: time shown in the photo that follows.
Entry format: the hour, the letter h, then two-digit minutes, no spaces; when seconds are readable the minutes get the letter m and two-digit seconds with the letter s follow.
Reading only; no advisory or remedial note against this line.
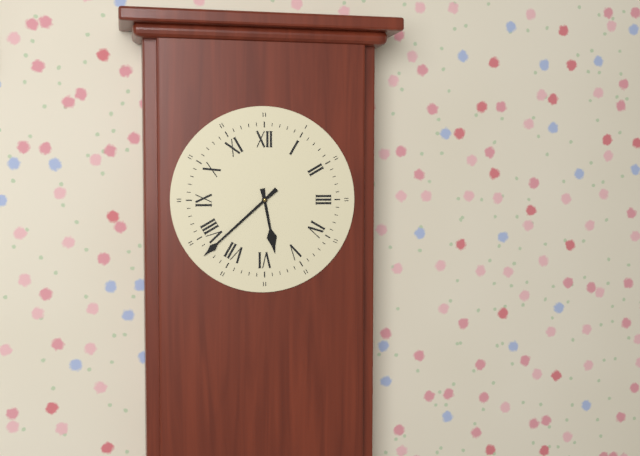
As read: 5h38
